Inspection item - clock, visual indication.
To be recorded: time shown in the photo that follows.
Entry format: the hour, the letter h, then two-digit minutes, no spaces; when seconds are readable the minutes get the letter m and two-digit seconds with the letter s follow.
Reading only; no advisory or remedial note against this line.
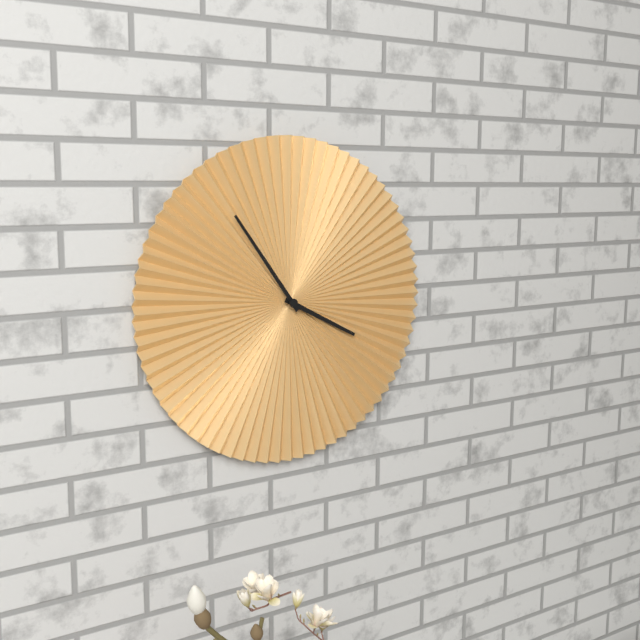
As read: 3h54
